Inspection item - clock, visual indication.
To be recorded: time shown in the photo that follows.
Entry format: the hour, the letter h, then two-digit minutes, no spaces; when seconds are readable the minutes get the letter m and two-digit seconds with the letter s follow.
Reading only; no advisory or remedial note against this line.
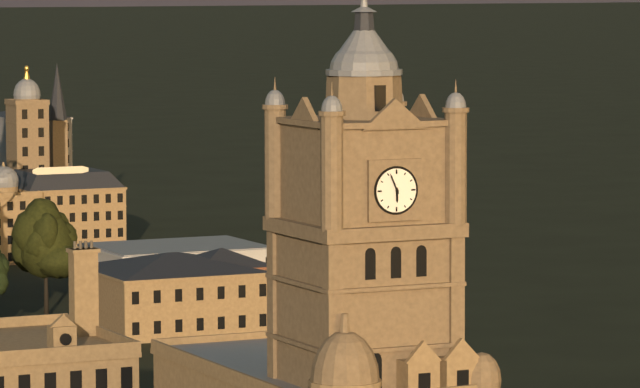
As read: 5h56
